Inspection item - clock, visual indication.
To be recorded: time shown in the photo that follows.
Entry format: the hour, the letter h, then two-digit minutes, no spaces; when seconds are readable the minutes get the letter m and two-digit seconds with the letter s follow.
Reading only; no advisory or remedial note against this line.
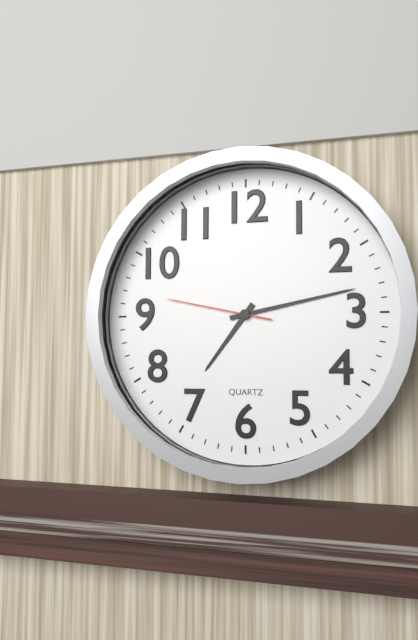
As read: 7h13m47s
